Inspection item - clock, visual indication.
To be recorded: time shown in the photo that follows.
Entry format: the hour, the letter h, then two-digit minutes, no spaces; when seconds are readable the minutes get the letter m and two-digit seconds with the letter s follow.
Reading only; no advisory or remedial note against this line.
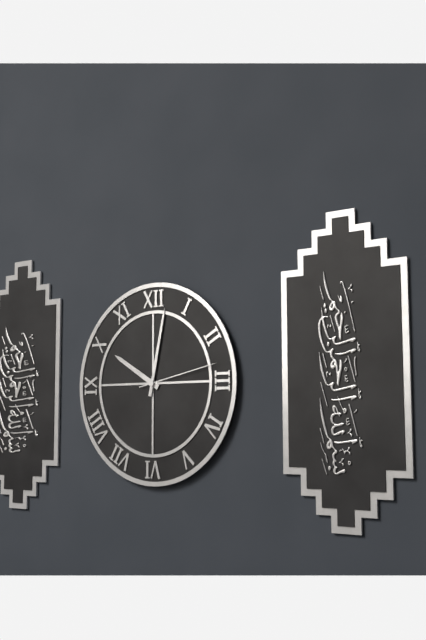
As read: 10h02m13s
